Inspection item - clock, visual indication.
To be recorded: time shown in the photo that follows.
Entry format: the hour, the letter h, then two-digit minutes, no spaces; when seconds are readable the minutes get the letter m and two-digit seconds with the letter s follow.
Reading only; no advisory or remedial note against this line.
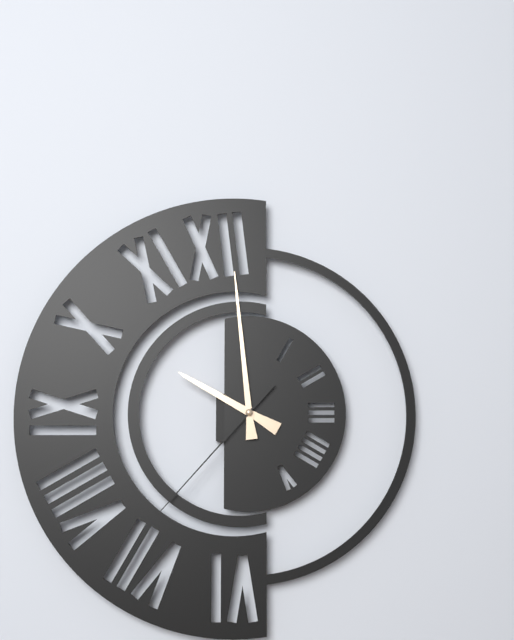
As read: 9h59m37s
